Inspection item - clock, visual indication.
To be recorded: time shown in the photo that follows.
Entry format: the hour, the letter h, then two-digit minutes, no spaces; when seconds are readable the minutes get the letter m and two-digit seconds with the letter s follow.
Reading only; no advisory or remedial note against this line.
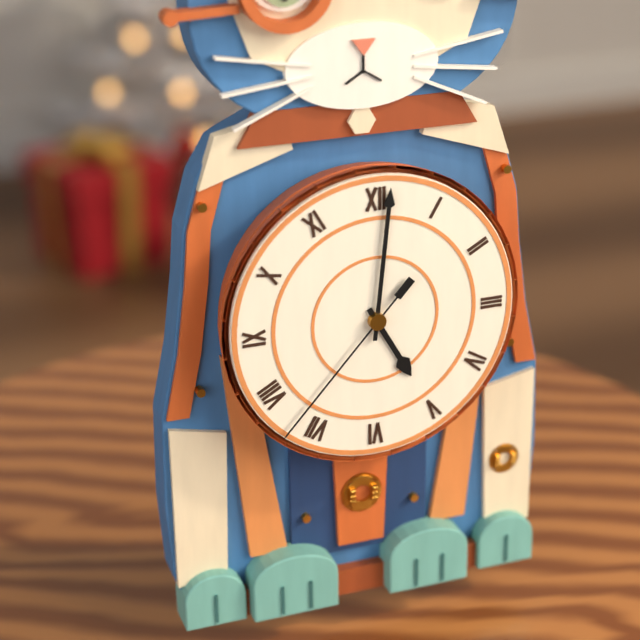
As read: 5h01m37s
